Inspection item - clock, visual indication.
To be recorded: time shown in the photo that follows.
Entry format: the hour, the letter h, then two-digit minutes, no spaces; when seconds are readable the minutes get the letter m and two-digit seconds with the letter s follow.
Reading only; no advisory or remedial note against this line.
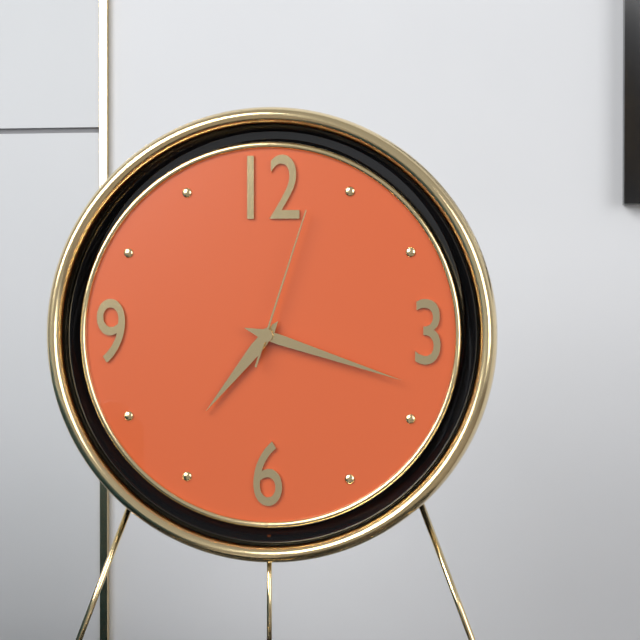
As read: 7h18m03s
